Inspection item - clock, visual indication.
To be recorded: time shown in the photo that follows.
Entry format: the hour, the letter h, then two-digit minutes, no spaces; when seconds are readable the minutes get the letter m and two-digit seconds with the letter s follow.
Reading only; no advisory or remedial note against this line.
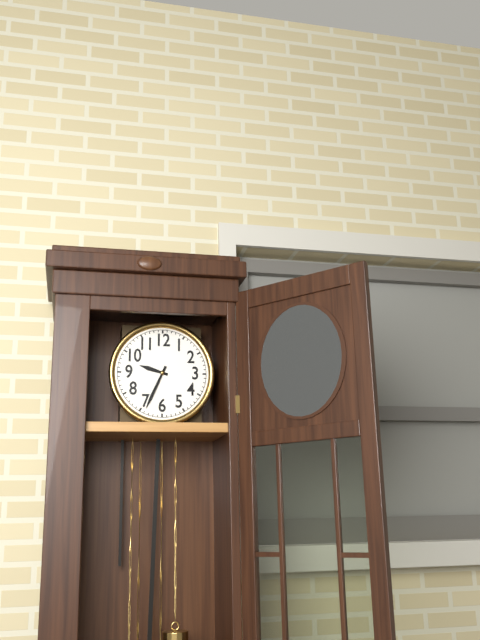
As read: 9h34
